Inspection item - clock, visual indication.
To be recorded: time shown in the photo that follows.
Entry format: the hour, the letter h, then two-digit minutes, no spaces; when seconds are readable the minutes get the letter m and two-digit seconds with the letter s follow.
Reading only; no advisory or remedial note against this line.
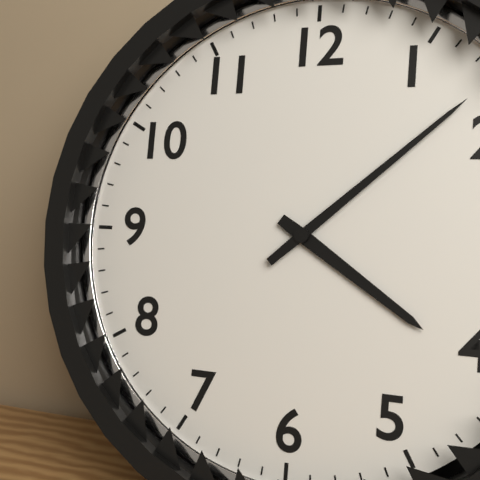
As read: 4h08
